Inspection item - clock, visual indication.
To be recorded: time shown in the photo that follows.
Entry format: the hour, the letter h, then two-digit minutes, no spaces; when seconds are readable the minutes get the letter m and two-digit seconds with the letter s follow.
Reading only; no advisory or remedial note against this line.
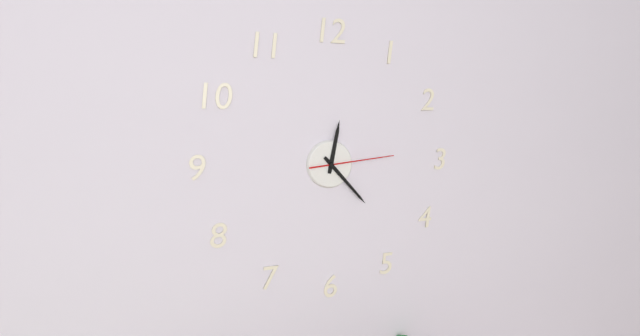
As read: 12h23m14s
